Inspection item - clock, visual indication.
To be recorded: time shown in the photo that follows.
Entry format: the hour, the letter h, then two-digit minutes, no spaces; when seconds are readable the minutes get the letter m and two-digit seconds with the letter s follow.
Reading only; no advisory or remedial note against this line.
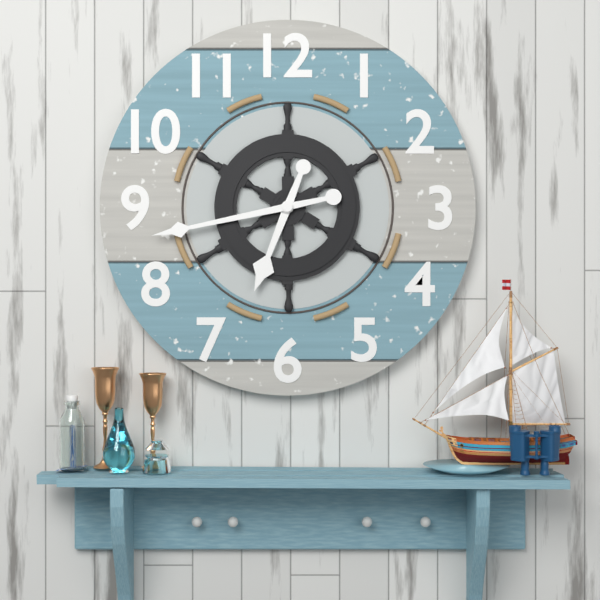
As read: 6h43
